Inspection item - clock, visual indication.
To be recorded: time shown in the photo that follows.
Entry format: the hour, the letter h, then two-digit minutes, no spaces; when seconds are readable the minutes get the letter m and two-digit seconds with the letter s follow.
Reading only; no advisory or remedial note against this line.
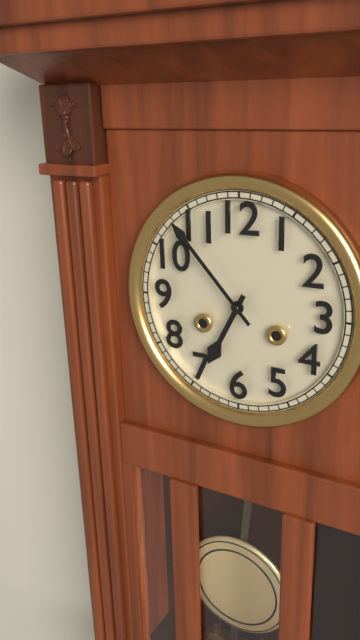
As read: 6h53
